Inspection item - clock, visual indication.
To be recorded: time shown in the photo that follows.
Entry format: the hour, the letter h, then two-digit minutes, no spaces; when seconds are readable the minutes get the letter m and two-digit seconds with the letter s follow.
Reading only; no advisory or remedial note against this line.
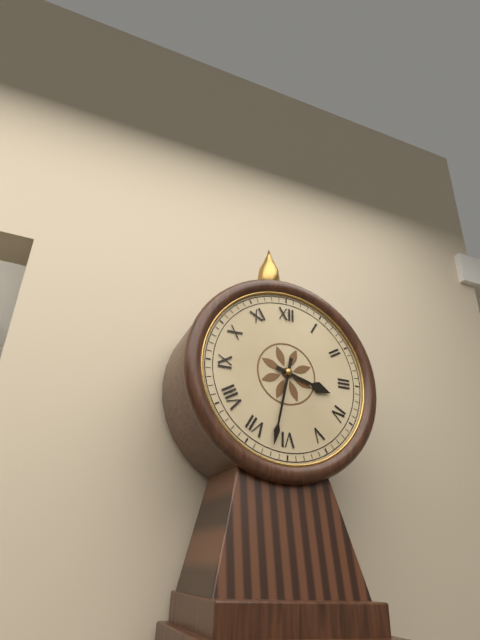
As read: 3h32
